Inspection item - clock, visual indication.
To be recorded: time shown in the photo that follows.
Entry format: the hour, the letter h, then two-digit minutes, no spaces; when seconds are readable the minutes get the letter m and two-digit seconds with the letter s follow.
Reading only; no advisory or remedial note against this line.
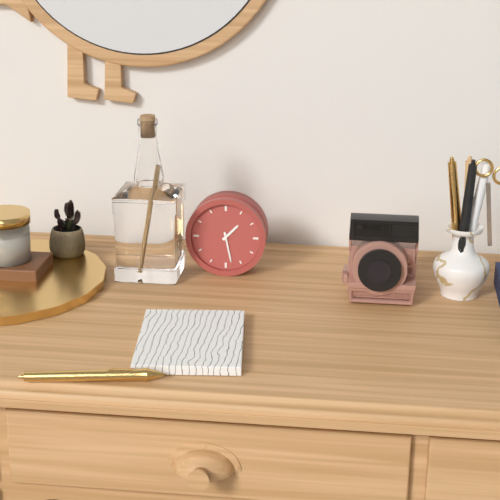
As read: 1h28
